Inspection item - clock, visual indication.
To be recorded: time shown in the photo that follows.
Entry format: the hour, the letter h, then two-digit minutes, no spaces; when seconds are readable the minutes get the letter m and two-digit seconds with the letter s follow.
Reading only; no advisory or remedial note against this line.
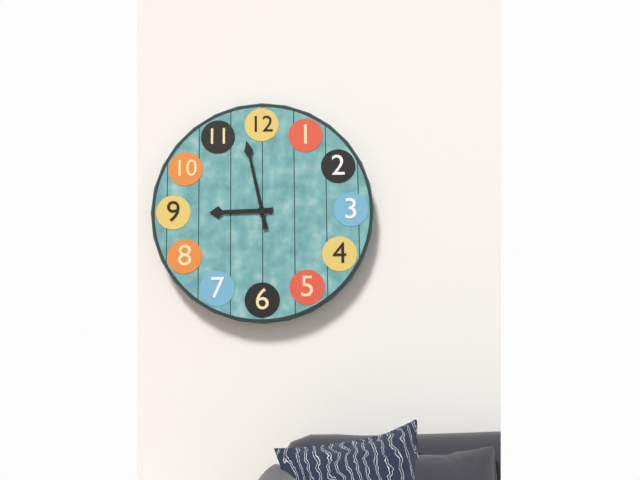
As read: 8h58
